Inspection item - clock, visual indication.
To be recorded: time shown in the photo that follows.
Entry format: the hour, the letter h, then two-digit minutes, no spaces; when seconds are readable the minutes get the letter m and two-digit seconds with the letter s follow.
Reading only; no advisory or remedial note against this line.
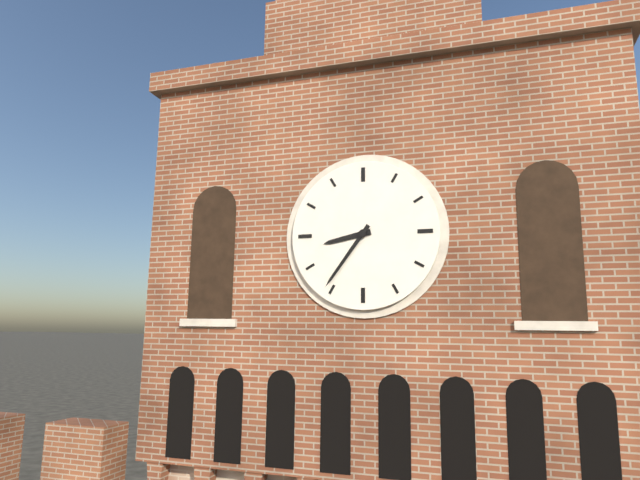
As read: 8h36
